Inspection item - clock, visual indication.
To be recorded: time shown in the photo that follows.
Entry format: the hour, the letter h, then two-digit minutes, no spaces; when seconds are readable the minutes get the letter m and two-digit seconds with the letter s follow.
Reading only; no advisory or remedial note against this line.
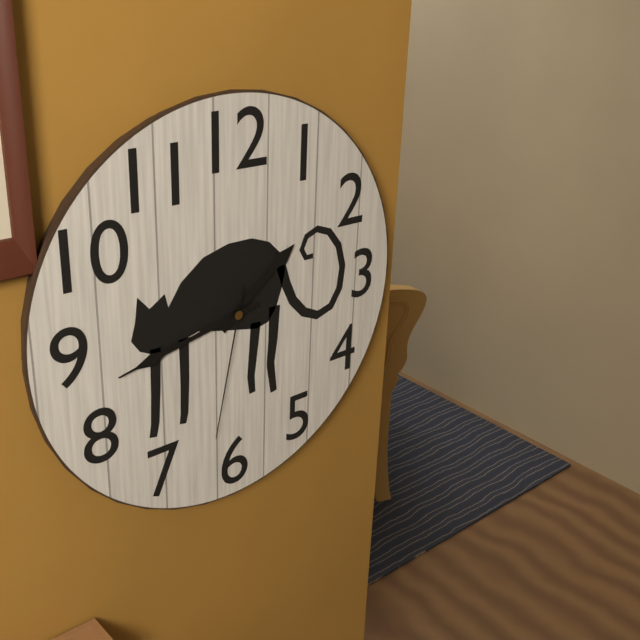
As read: 1h43m32s
